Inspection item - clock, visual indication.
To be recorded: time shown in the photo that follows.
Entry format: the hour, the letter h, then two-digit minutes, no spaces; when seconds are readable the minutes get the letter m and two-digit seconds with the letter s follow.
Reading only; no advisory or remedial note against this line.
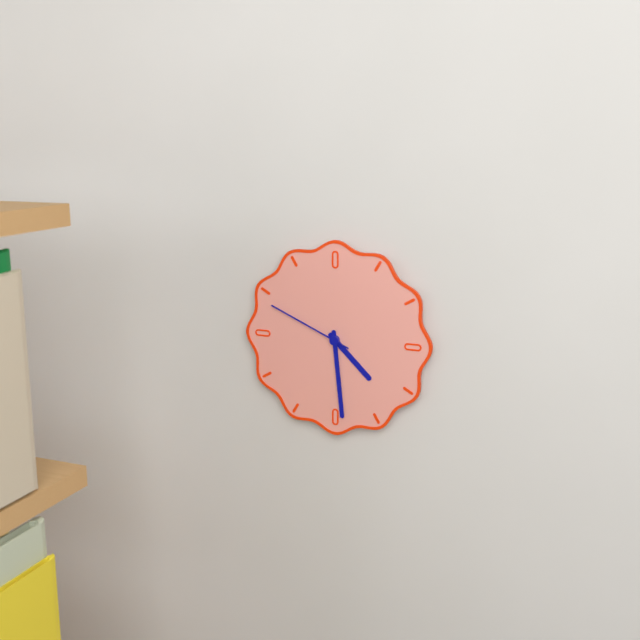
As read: 4h29m49s
